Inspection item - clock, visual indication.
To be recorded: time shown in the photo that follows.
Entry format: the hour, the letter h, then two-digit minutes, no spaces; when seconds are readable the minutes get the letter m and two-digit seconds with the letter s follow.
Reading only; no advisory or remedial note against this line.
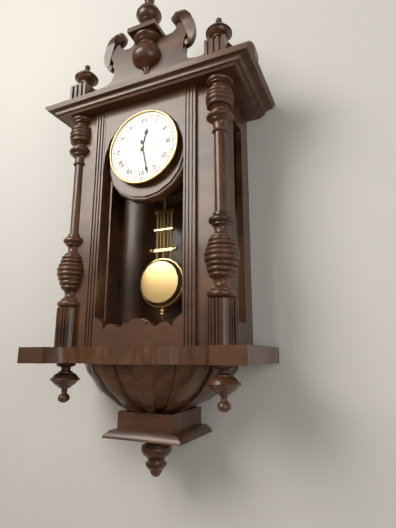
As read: 12h28
